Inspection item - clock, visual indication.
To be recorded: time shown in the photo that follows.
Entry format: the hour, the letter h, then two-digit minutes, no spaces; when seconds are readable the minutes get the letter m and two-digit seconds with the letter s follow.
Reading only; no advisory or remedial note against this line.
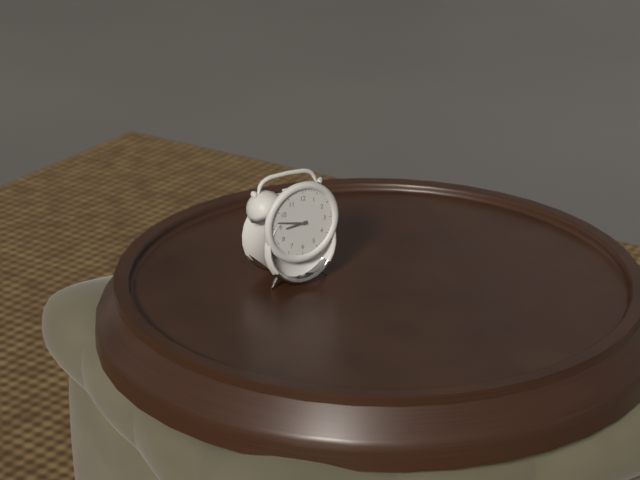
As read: 8h47
